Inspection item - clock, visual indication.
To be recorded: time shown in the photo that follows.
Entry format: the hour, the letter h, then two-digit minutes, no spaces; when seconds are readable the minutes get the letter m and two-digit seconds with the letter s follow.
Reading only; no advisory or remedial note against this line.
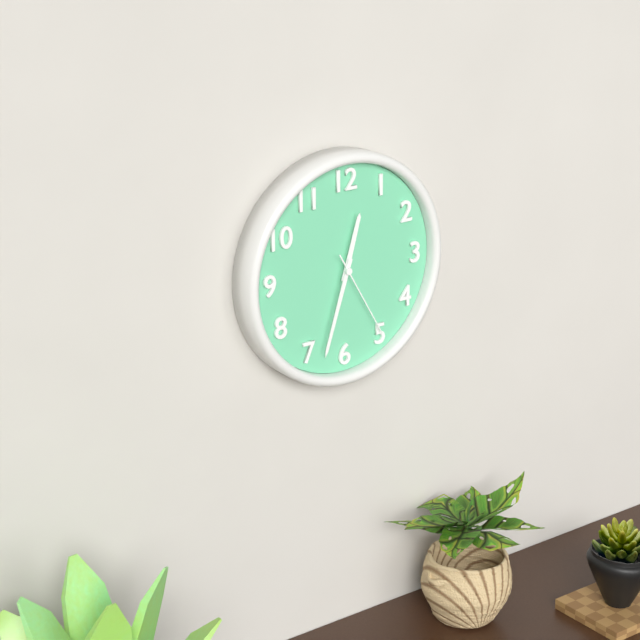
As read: 12h33m25s
